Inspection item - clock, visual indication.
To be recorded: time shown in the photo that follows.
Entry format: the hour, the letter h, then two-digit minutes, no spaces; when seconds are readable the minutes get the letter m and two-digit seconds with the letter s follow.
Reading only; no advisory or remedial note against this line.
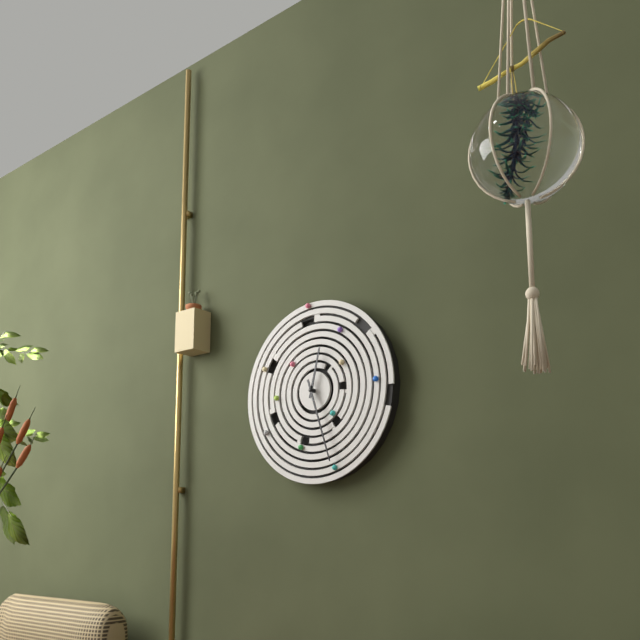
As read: 12h27
